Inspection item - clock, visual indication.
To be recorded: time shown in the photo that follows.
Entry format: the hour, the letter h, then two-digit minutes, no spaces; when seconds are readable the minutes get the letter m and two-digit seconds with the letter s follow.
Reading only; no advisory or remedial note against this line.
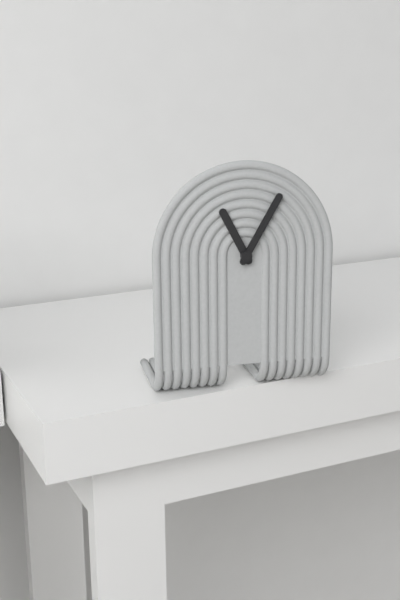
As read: 11h05
